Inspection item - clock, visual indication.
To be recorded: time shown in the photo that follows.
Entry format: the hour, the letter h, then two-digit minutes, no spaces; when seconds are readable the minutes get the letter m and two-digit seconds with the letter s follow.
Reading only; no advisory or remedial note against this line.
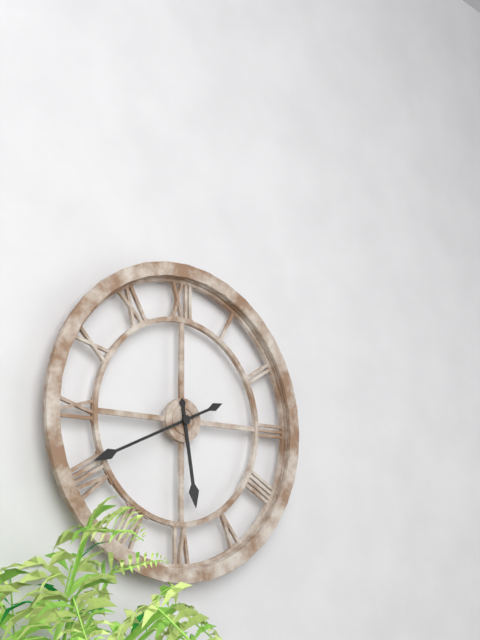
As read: 5h41
